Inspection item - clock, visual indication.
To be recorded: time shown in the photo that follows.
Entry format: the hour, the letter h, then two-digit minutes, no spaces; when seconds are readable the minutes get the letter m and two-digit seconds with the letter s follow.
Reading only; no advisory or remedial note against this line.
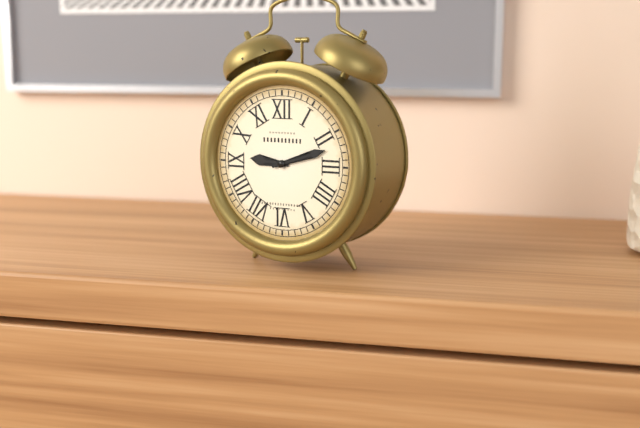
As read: 9h12
